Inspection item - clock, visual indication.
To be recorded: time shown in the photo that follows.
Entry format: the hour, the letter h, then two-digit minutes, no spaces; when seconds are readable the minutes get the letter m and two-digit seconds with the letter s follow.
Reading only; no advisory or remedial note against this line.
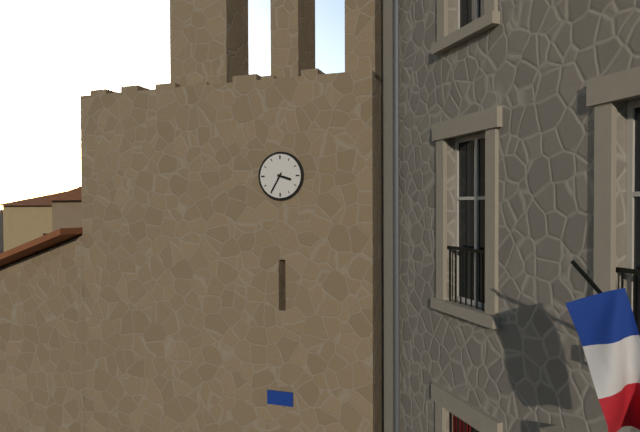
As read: 3h35
